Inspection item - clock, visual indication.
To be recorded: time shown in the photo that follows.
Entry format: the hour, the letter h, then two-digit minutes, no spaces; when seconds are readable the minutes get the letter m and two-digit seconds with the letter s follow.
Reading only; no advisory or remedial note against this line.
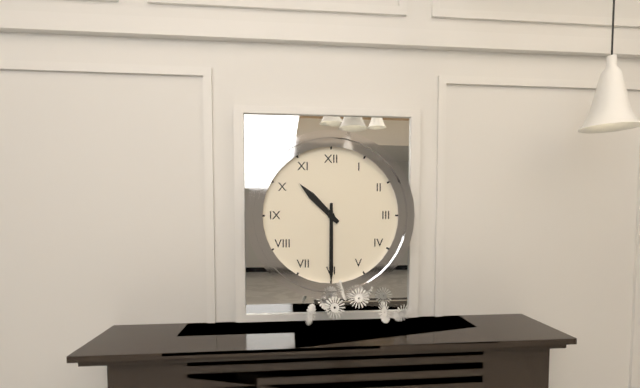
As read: 10h30
